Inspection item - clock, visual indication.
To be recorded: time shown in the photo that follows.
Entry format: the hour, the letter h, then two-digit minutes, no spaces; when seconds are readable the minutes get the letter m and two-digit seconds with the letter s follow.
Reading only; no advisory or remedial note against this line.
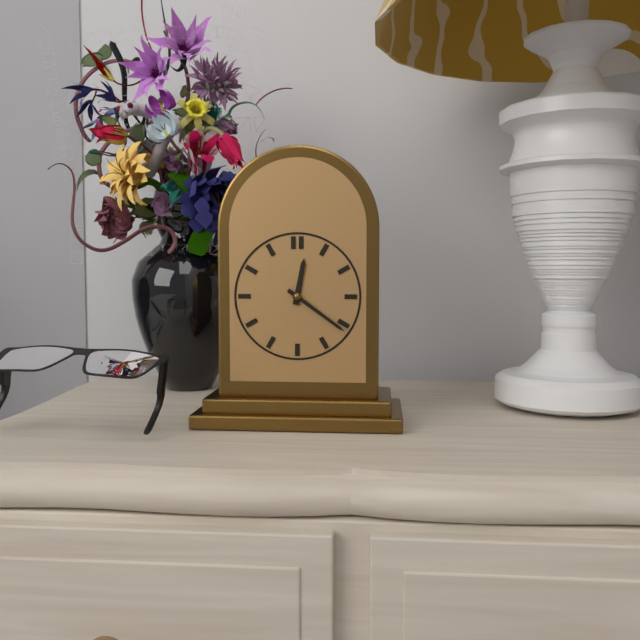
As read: 12h21
